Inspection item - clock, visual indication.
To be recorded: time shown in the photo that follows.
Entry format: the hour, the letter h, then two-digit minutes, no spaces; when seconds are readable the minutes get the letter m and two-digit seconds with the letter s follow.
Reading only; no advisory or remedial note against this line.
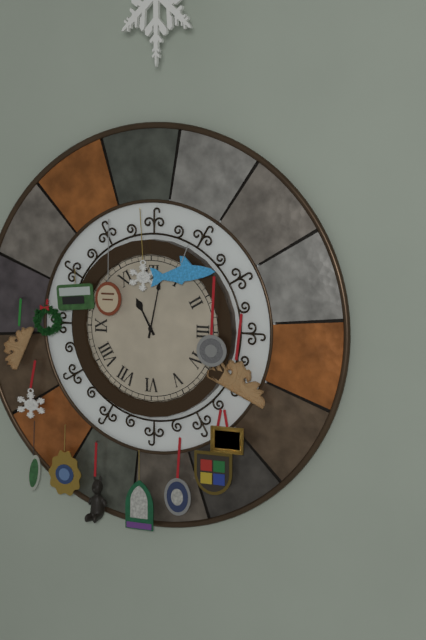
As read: 11h02
